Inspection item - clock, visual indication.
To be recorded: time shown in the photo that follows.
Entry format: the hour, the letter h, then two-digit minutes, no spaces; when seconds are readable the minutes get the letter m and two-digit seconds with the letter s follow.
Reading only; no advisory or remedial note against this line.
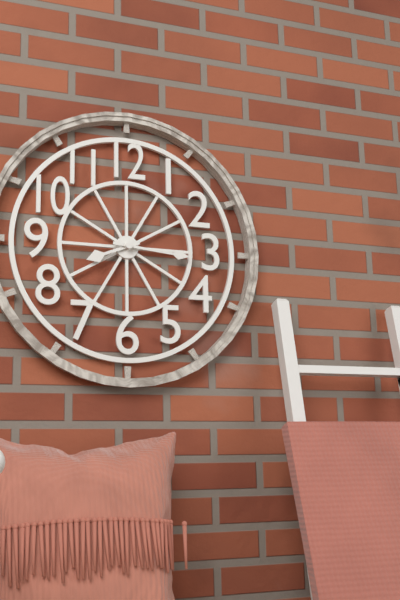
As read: 8h16
